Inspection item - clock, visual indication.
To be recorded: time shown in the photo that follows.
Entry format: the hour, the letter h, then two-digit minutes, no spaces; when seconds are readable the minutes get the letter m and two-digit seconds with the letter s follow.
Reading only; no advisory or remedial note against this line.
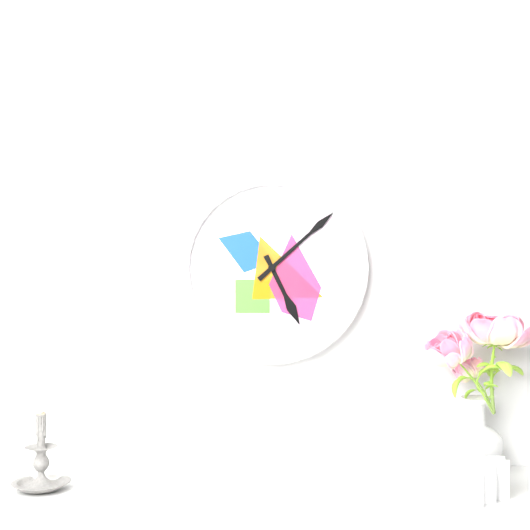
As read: 5h08
